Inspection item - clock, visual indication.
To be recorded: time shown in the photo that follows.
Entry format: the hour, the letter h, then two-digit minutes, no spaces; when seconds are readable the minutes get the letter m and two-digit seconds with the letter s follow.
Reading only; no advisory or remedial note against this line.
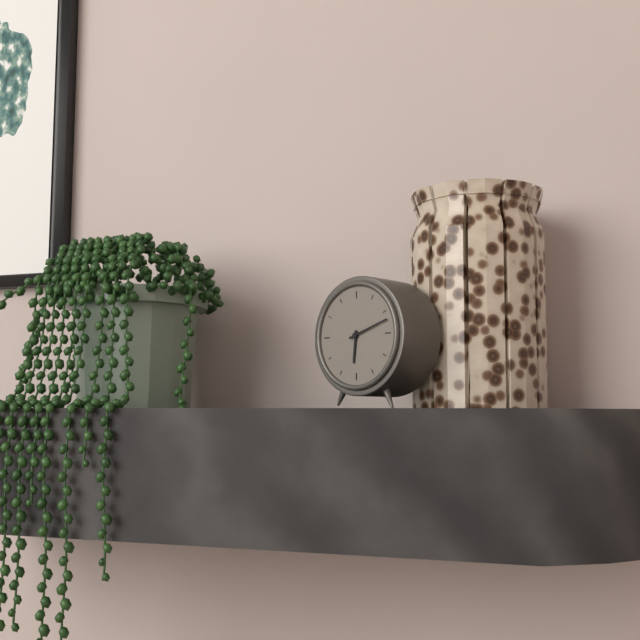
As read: 6h12
